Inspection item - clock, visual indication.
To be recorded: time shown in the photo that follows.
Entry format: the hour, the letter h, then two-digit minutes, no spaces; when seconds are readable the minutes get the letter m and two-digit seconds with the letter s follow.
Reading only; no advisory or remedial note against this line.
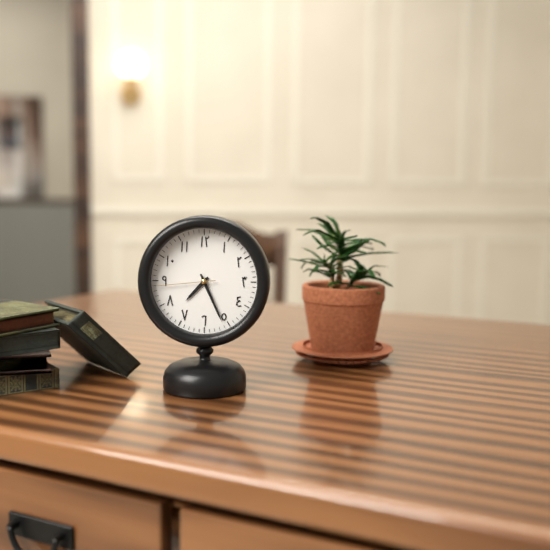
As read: 7h26m44s
